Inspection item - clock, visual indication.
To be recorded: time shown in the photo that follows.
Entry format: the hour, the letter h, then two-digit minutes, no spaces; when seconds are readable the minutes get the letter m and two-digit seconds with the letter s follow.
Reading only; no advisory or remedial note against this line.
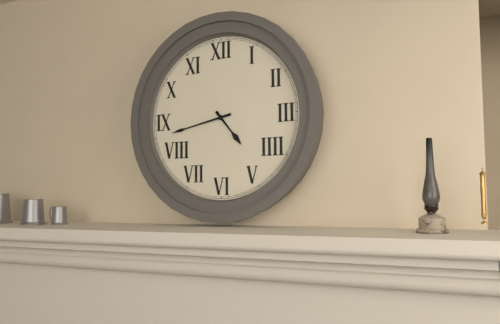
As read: 4h43
